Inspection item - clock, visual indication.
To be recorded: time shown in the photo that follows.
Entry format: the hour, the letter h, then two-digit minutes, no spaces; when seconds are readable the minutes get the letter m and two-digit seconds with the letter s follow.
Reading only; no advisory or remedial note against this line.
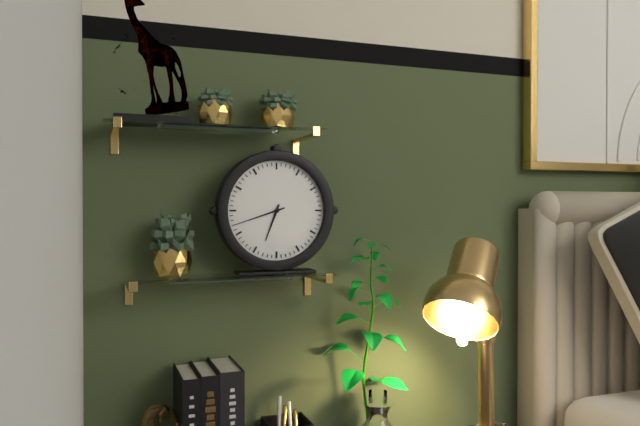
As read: 6h42
